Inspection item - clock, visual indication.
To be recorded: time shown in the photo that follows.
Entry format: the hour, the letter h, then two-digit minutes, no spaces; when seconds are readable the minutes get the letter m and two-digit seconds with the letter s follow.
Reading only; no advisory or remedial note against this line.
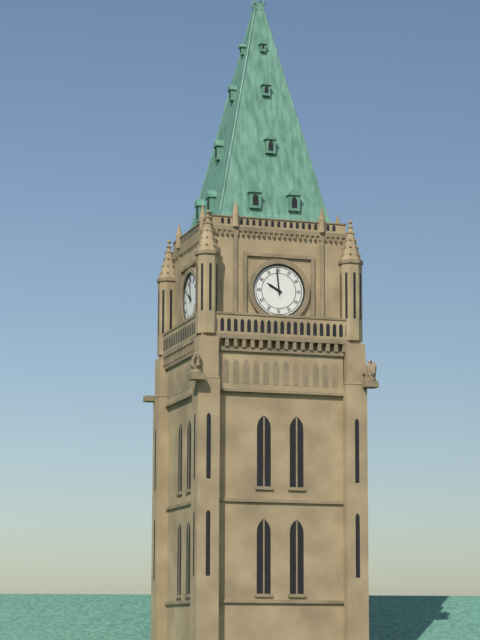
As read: 9h59
